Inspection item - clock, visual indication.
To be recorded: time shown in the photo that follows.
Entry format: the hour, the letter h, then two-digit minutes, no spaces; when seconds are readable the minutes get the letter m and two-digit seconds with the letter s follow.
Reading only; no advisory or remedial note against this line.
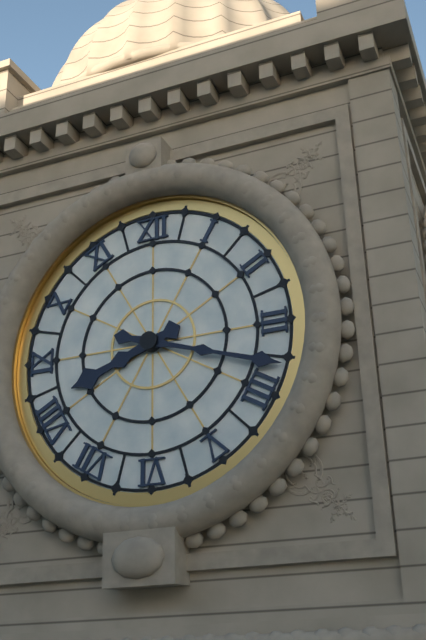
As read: 8h18
